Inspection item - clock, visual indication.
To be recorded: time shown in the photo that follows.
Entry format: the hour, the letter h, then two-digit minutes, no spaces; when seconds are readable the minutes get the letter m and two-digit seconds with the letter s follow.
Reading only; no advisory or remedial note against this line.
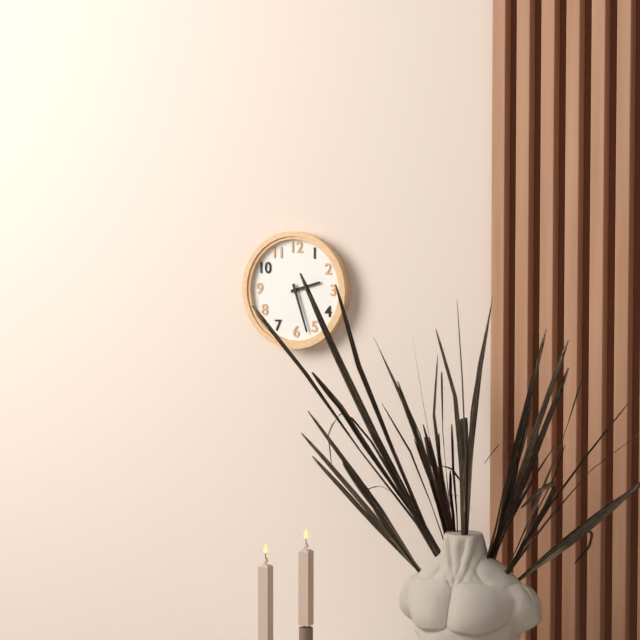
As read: 2h27
